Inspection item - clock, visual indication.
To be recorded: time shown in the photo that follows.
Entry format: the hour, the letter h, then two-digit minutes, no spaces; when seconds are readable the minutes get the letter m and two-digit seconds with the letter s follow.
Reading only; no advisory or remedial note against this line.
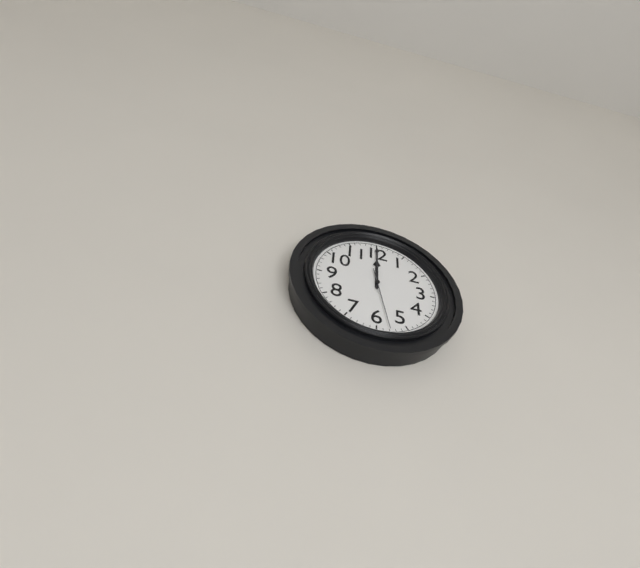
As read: 12h00m28s
